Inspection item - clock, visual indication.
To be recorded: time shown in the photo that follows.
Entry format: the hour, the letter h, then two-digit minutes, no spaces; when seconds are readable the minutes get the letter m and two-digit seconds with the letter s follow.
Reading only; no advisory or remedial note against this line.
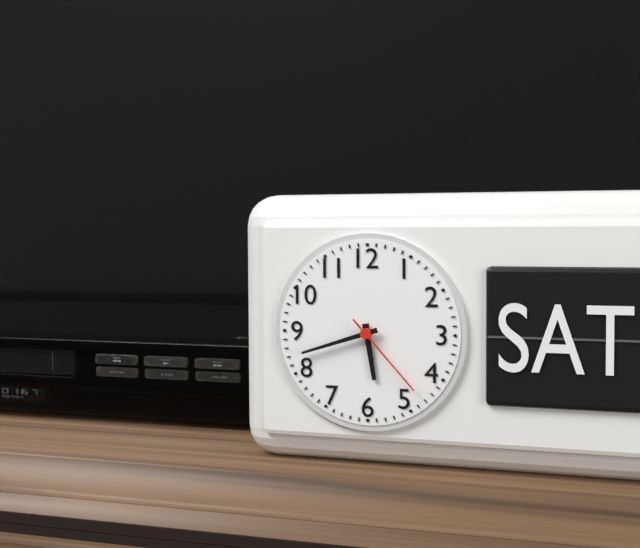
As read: 5h42m23s
